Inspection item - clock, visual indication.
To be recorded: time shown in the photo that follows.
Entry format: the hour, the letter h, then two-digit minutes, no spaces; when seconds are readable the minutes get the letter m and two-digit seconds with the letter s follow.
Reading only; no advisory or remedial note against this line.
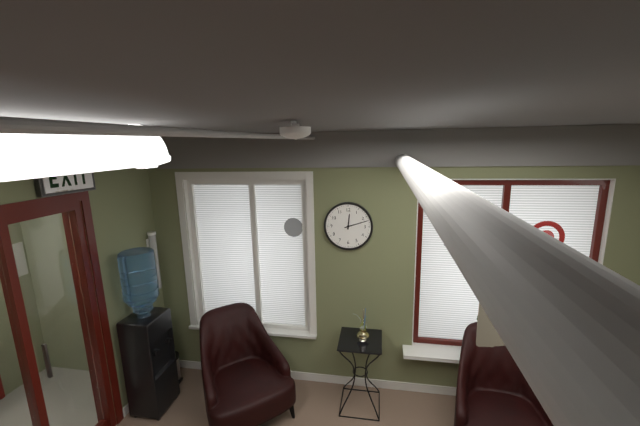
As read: 12h12
